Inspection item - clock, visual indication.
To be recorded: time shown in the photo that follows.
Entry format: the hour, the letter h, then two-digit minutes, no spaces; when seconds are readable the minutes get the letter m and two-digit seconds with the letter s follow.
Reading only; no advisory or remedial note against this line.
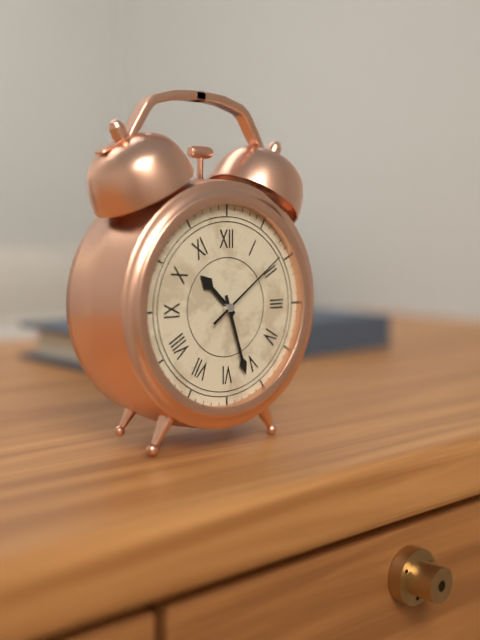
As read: 10h27m09s
